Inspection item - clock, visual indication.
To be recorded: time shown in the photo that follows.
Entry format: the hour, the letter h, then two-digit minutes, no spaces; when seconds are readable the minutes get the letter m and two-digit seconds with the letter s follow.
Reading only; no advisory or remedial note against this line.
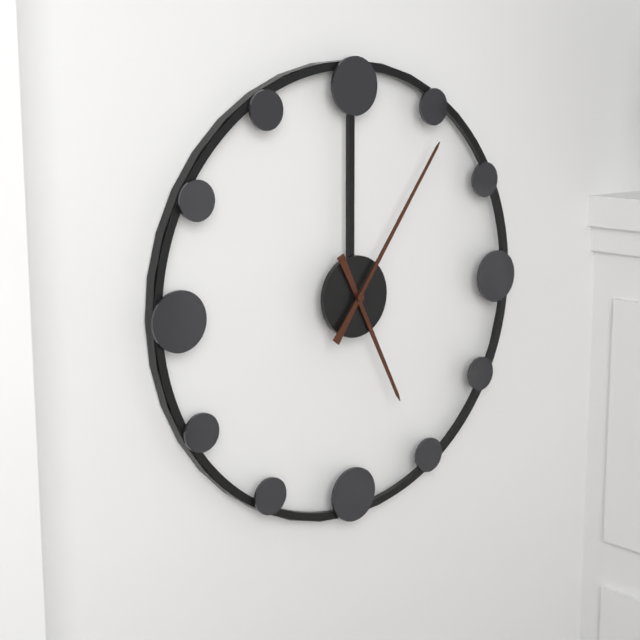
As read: 5h06
